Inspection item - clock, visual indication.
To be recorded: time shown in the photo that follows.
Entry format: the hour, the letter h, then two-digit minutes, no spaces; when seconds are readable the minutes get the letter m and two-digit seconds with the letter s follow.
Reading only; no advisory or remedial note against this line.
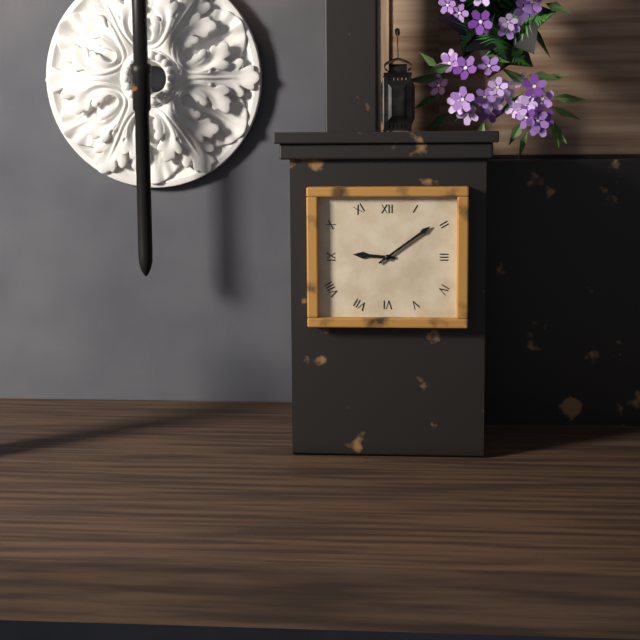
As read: 9h09
